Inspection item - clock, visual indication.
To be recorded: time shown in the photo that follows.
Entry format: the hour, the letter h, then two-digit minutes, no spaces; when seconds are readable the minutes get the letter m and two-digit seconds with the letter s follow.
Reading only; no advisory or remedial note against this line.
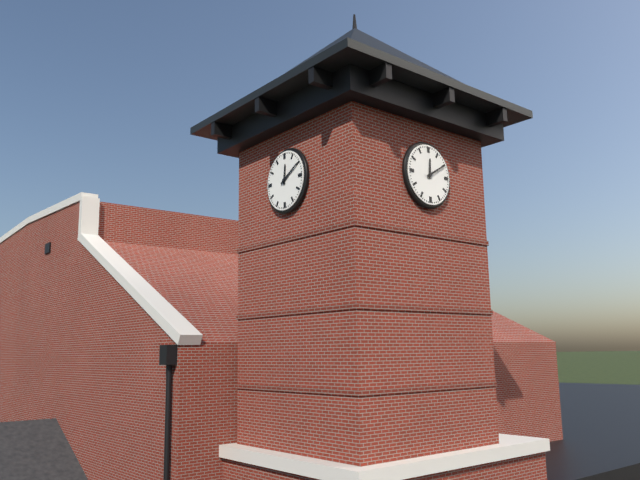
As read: 12h10
